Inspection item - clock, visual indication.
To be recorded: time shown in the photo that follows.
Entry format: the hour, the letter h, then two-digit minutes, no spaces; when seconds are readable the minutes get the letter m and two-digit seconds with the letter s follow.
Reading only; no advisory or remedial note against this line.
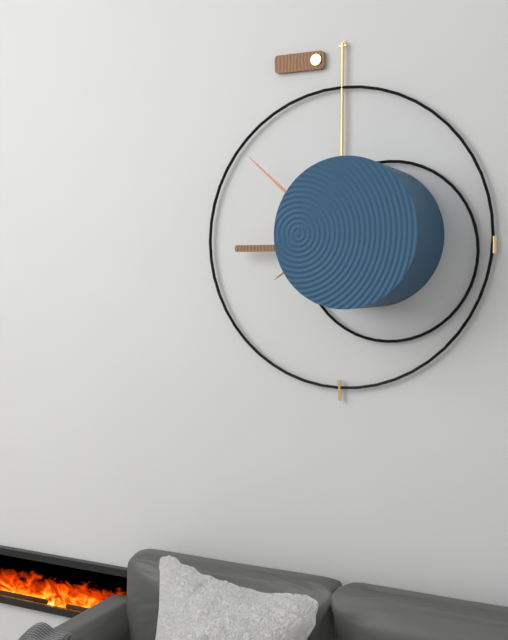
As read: 7h52
